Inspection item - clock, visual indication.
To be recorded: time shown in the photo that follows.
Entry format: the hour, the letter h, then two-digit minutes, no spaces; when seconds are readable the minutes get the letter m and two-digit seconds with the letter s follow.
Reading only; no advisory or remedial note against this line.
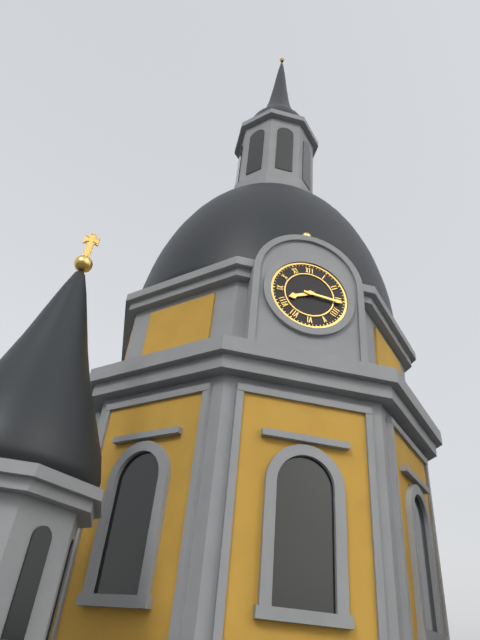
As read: 8h16
